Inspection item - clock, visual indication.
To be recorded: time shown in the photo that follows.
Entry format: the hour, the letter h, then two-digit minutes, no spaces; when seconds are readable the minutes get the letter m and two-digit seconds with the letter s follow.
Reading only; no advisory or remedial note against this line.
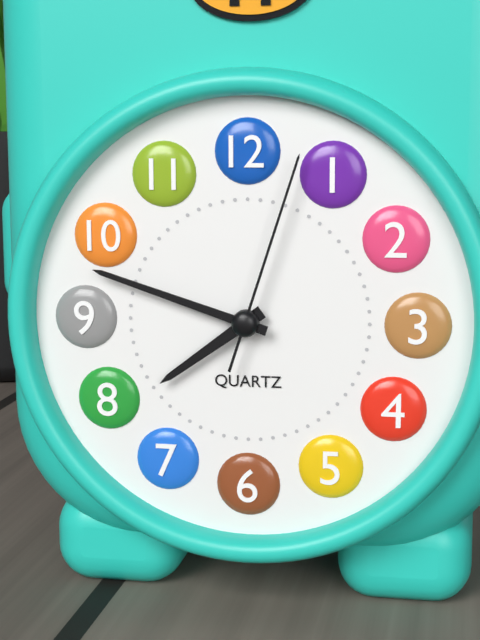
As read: 7h48m03s
